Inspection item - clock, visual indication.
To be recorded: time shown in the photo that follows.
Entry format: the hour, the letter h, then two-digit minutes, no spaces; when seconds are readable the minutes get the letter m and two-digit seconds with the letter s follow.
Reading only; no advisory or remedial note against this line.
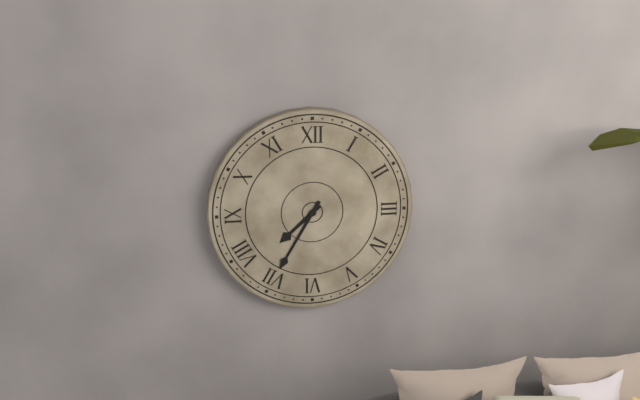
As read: 7h35
